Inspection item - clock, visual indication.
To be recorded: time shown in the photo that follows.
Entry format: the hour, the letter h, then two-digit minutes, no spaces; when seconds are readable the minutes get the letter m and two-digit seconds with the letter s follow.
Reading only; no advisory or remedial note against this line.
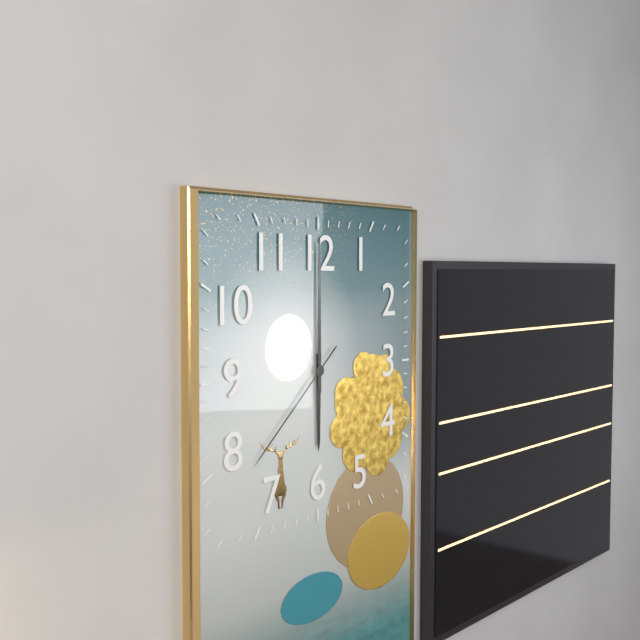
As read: 6h00m38s
